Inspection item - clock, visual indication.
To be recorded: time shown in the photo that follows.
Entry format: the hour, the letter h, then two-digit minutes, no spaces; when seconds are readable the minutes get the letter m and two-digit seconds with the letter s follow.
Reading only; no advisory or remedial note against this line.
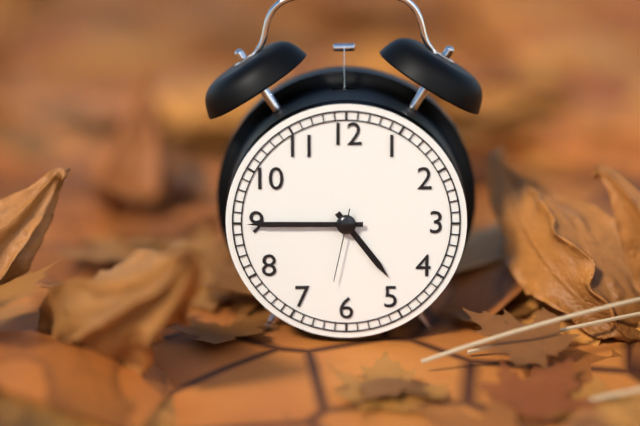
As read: 4h45m32s
